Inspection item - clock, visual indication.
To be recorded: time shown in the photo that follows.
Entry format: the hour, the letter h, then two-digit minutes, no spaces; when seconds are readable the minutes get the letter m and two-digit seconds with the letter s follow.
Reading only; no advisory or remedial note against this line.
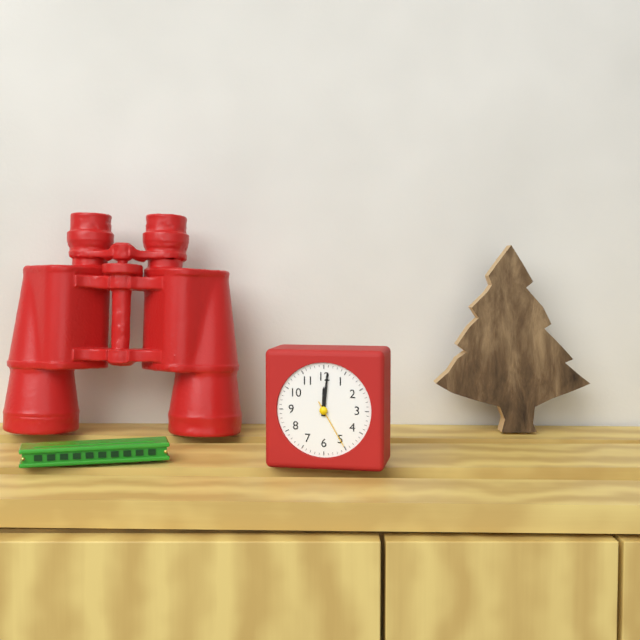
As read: 12h01m25s
